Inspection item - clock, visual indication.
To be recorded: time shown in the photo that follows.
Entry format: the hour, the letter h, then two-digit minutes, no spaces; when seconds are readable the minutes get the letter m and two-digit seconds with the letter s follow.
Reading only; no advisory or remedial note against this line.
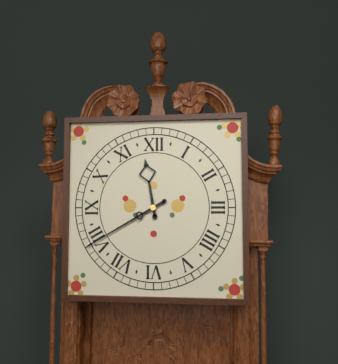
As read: 11h40
